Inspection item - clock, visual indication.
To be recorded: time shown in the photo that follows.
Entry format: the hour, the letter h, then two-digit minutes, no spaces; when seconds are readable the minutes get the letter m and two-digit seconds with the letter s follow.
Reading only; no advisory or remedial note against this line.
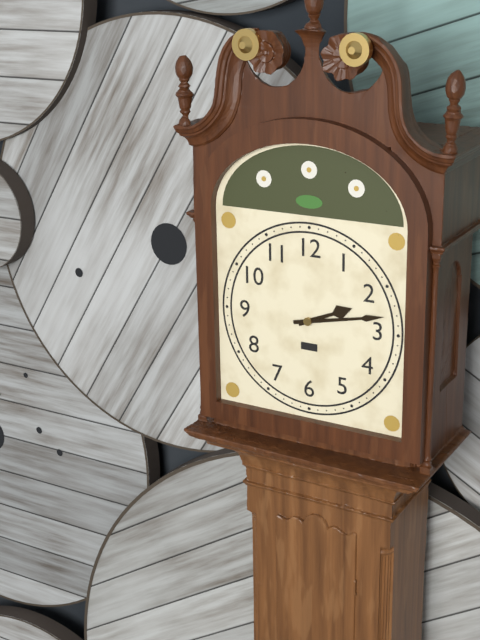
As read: 2h13
